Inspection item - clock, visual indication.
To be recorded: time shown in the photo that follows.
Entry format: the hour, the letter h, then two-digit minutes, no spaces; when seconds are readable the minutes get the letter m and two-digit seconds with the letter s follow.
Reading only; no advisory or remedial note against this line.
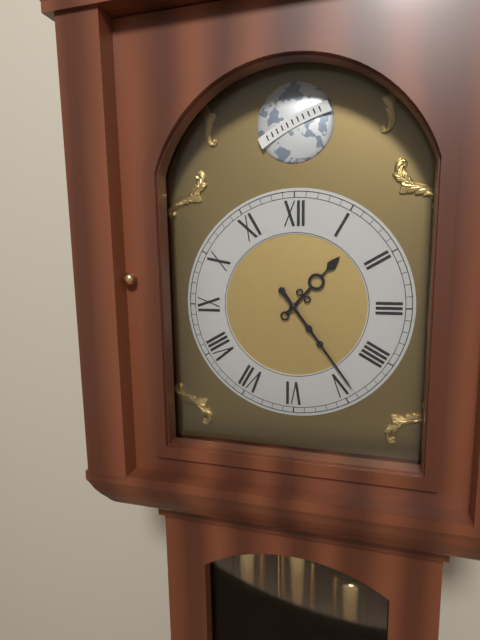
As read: 1h24
